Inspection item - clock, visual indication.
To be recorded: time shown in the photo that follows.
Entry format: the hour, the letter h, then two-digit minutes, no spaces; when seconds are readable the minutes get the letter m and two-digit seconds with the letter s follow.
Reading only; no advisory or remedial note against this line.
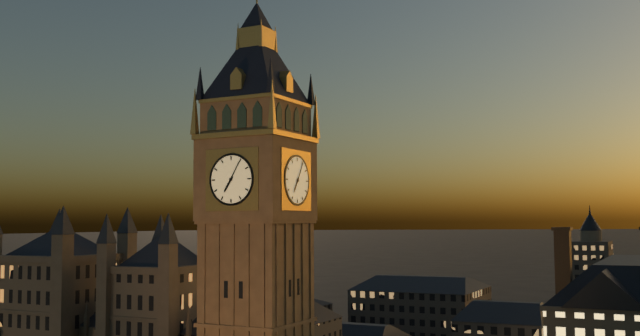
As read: 7h05
